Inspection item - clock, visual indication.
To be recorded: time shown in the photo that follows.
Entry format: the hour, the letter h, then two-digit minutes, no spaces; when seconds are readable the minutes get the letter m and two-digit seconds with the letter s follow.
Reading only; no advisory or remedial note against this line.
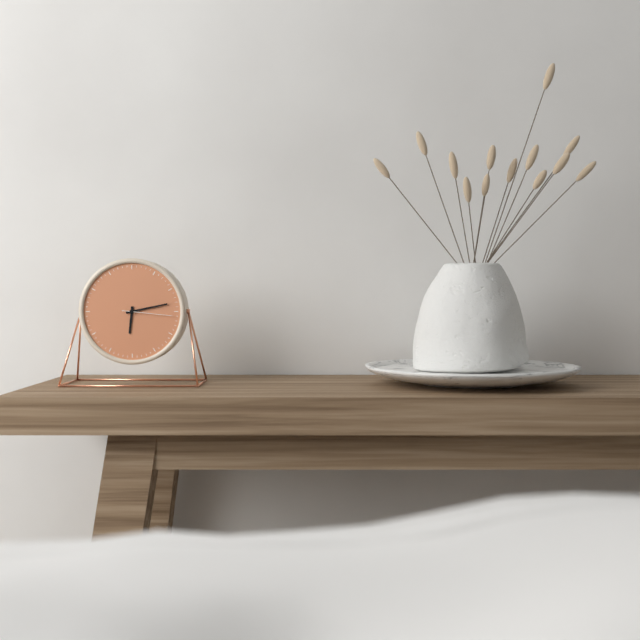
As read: 6h13m16s
